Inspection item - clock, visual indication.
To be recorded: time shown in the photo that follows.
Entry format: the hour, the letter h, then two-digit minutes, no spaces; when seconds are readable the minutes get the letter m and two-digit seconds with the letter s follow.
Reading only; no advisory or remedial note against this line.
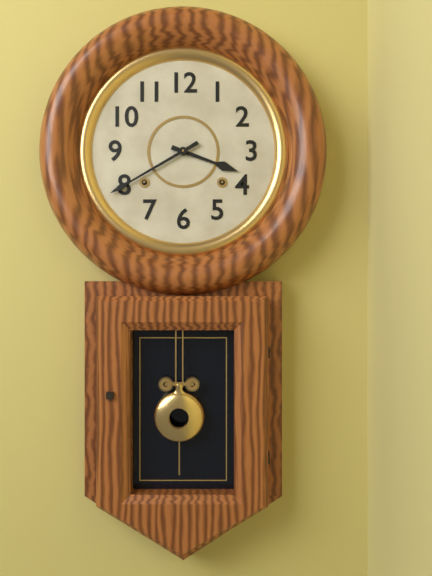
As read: 3h40
